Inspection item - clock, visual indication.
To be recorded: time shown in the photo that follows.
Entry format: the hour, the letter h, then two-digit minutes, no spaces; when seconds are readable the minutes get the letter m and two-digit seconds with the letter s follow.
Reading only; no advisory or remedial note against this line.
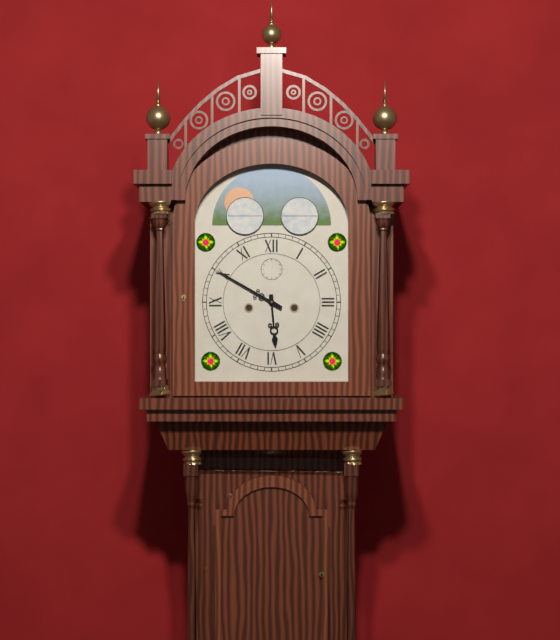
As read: 5h50
